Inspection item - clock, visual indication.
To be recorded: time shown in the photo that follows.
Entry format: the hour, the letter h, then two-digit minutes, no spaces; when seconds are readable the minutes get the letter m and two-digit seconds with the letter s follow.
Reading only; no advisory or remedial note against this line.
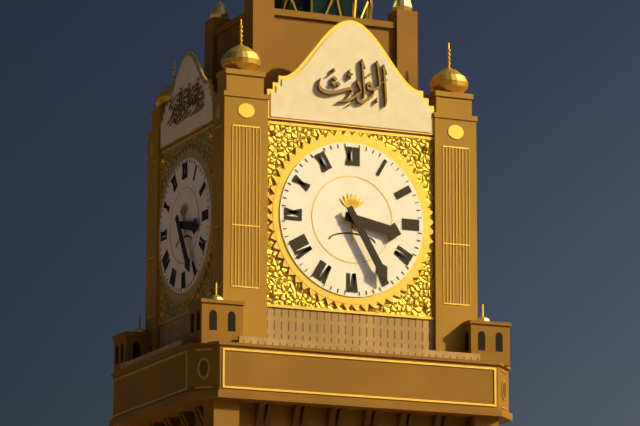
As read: 3h25
